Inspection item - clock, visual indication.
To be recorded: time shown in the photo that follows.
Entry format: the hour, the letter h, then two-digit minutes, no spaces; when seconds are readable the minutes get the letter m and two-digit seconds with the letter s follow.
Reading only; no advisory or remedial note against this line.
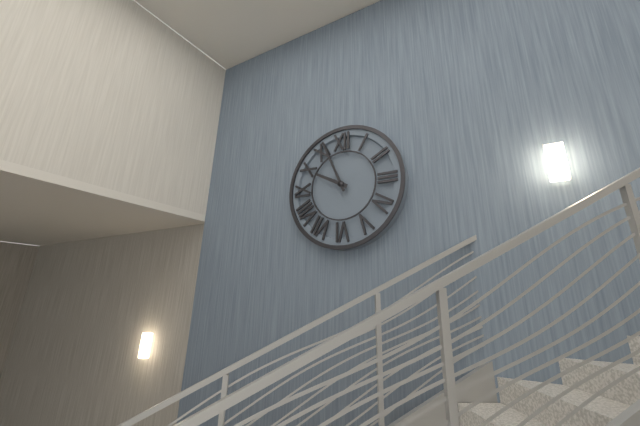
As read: 9h56
